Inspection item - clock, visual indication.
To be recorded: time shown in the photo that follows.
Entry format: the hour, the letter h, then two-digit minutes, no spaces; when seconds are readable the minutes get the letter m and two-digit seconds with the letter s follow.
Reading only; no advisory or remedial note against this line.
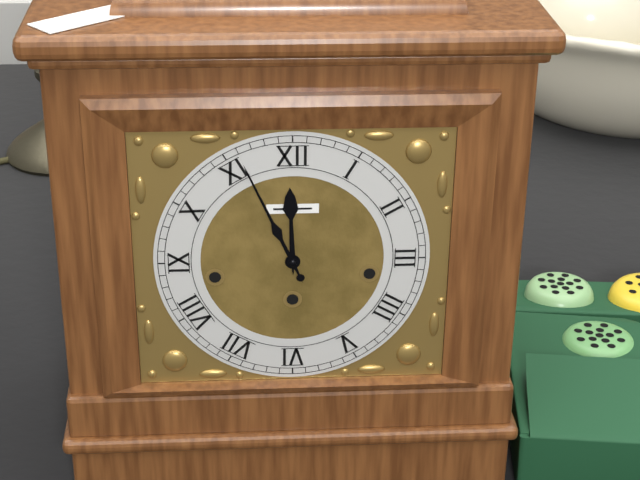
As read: 11h56
